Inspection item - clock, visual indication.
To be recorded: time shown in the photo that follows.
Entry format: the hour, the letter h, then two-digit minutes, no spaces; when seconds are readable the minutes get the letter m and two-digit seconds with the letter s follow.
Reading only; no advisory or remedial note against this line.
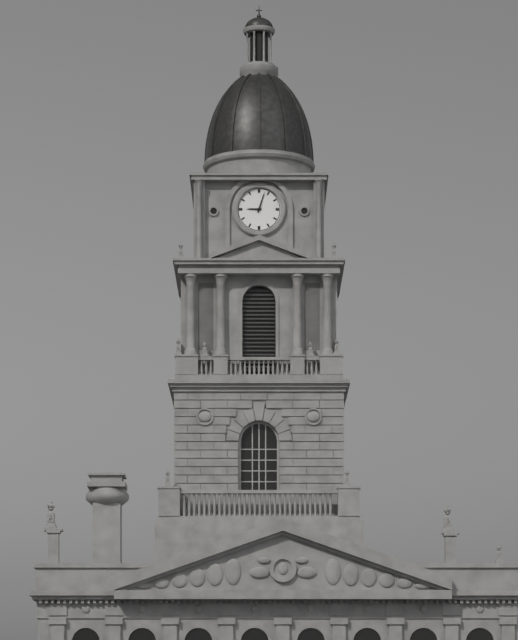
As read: 9h03
